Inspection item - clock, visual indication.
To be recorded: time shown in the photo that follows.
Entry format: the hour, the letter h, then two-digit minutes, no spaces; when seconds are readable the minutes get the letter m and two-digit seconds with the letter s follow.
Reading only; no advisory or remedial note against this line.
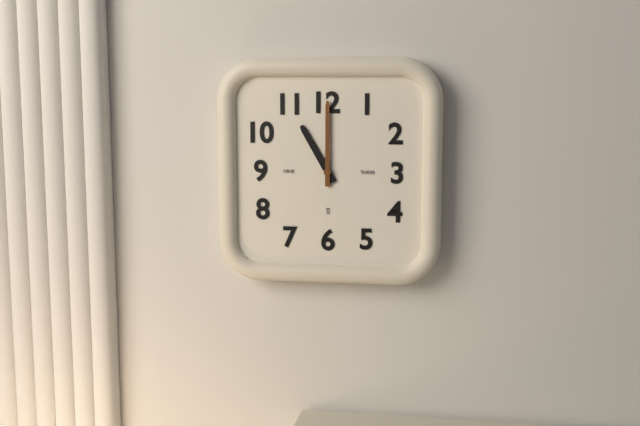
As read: 11h00
